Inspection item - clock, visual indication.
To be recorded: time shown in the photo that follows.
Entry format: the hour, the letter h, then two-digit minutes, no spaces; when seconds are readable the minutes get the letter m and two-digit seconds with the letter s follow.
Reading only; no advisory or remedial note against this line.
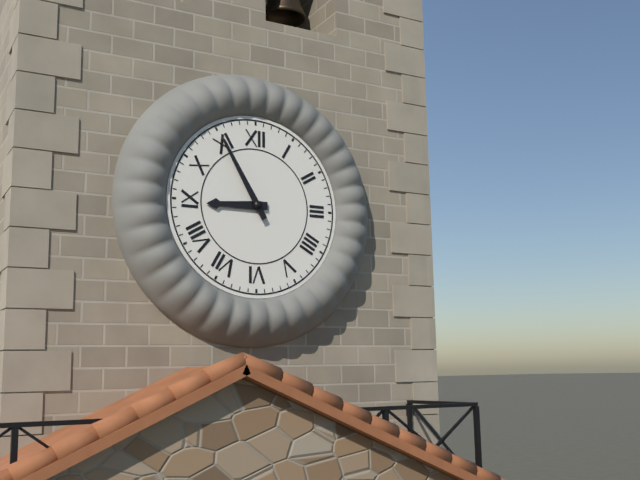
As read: 8h55
